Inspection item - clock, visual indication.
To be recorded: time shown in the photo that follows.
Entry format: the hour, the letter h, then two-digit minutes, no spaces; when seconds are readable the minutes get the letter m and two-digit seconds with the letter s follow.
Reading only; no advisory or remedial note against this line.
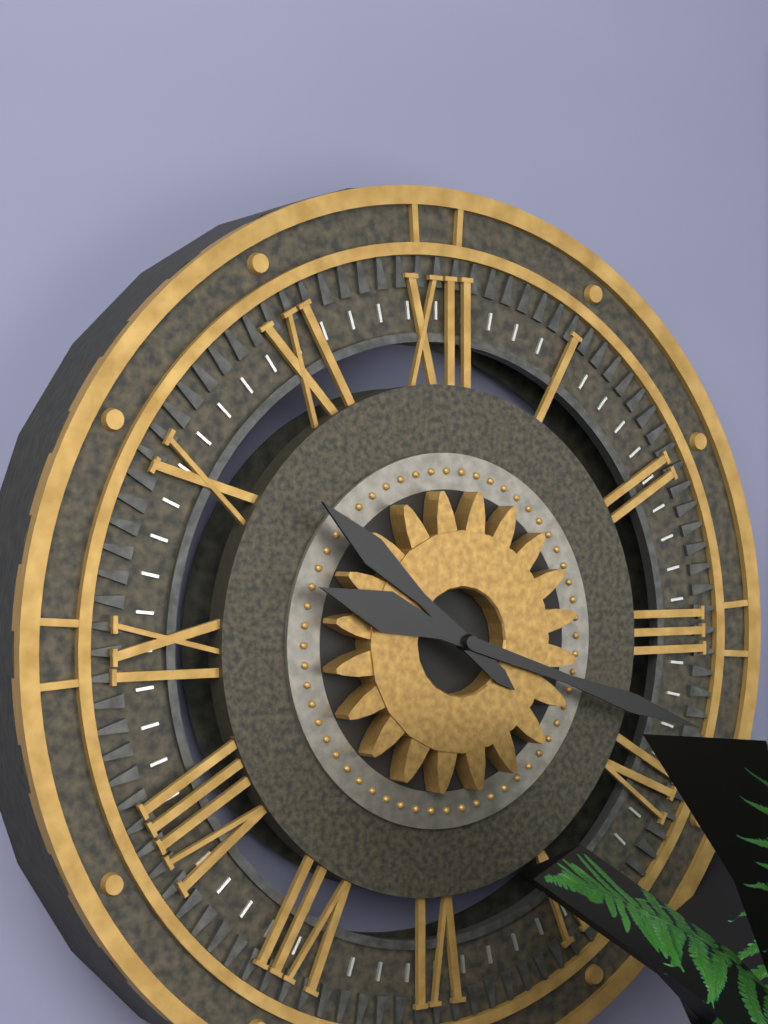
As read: 10h18
